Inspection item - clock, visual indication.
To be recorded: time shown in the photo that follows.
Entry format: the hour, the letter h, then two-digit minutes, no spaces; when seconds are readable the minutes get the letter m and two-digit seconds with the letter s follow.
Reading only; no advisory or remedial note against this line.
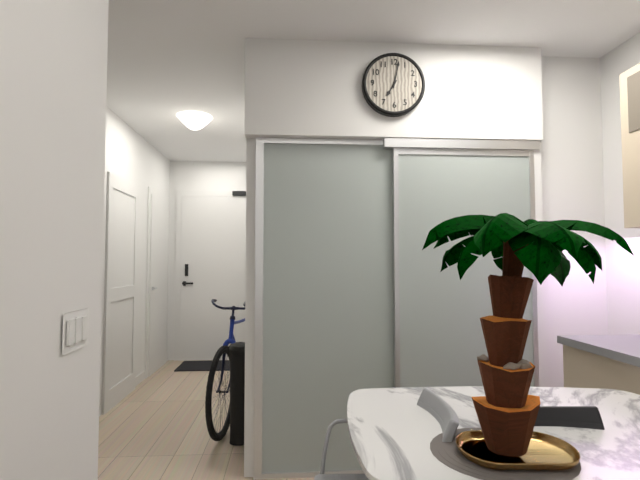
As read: 7h02
